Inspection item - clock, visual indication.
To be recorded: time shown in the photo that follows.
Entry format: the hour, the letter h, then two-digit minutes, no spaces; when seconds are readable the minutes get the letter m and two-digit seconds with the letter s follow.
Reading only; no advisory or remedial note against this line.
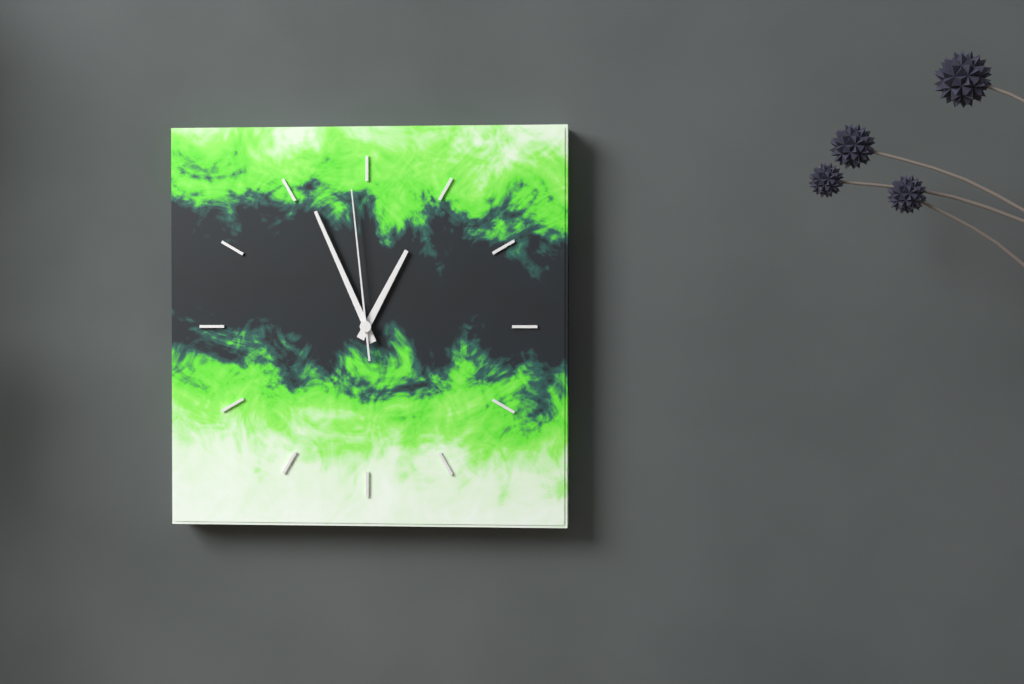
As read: 12h56m59s
